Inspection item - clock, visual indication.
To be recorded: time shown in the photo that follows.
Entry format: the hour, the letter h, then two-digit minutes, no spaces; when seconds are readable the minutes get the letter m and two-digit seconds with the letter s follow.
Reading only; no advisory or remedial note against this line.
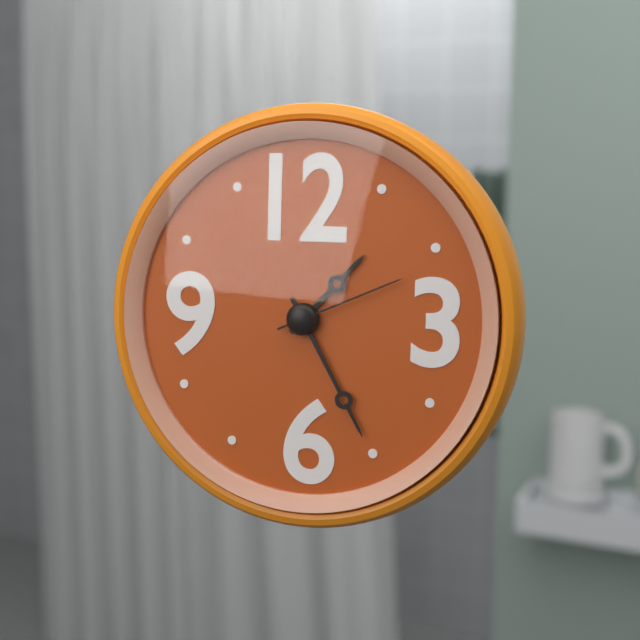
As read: 1h25m11s
